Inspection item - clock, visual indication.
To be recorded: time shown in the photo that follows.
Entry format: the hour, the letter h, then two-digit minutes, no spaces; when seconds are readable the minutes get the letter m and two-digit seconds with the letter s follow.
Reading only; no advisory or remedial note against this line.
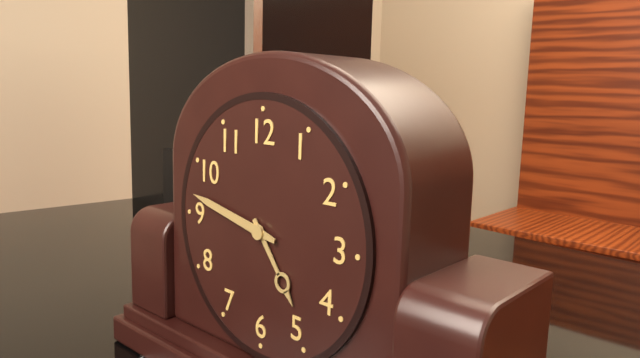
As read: 4h47
